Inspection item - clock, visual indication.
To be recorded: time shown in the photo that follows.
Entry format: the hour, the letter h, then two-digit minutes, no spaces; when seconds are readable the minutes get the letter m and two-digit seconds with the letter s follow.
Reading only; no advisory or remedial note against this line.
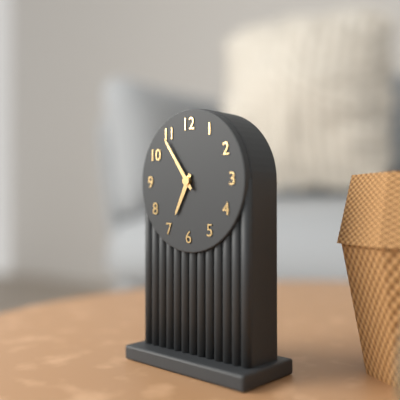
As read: 6h54
